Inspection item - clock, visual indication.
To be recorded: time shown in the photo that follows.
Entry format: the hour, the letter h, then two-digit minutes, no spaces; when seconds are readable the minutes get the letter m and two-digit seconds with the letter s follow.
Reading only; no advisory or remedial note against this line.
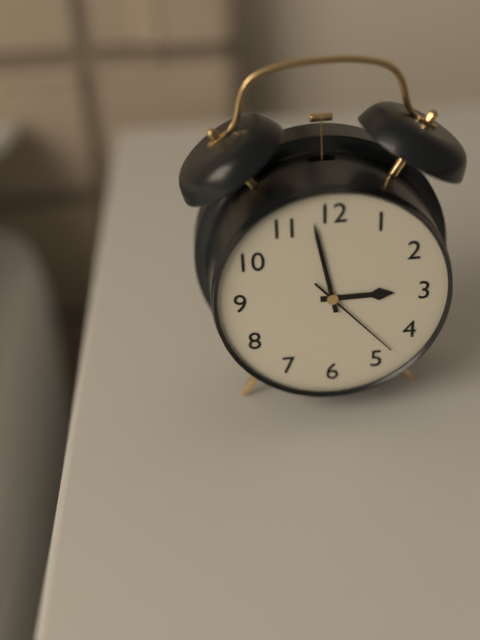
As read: 2h58m23s
